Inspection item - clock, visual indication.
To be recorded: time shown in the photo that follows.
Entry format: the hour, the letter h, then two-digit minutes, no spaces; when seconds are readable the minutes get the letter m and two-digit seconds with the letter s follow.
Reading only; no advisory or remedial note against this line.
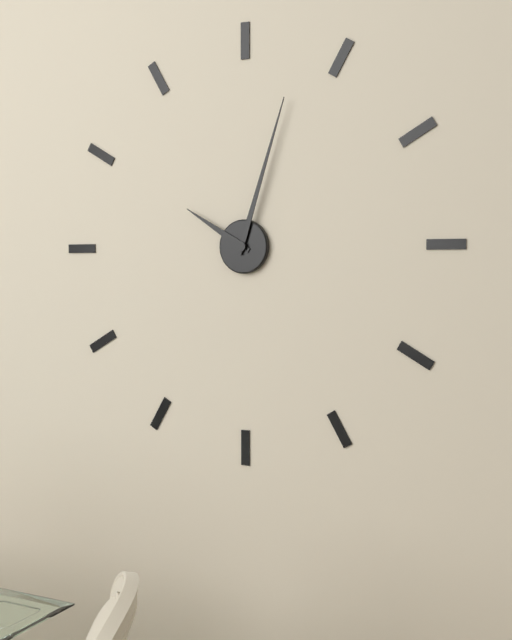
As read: 10h03
